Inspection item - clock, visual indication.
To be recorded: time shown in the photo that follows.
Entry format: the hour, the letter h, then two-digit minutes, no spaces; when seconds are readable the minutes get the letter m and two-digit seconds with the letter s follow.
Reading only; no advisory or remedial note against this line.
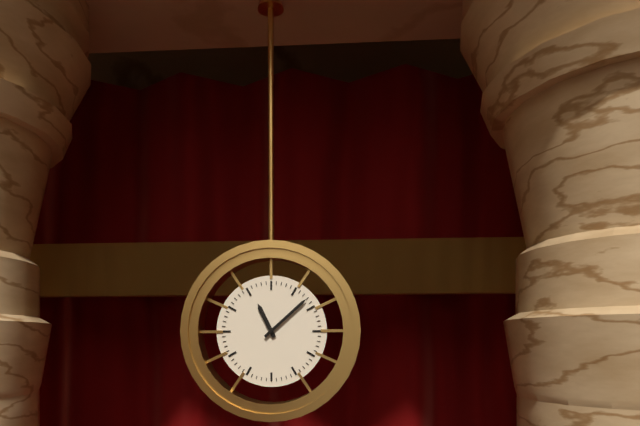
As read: 11h08
